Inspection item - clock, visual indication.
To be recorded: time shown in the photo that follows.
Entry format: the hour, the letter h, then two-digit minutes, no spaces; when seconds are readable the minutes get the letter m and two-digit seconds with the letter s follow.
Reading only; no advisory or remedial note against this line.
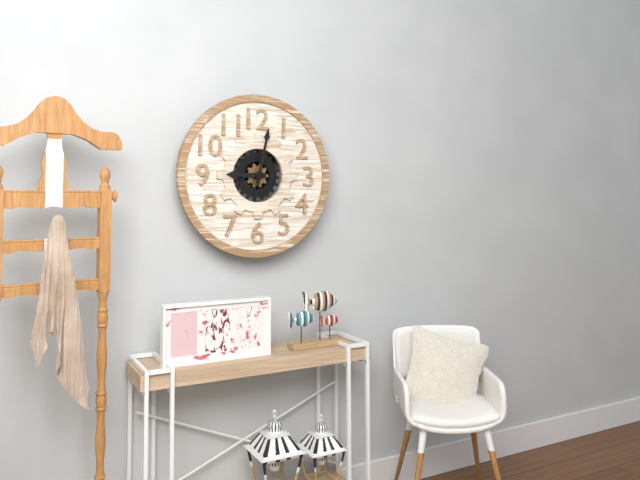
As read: 9h02
